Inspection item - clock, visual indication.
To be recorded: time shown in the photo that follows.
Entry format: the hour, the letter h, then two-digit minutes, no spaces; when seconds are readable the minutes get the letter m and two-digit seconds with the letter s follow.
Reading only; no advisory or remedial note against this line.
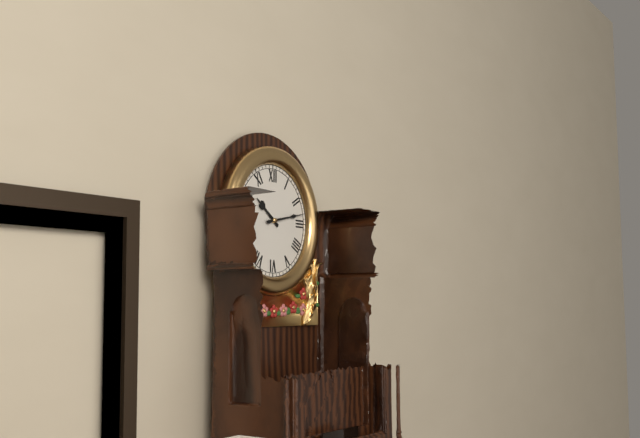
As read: 10h13
